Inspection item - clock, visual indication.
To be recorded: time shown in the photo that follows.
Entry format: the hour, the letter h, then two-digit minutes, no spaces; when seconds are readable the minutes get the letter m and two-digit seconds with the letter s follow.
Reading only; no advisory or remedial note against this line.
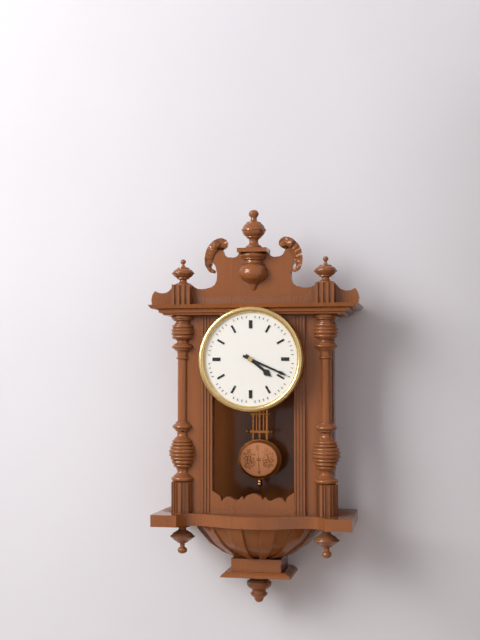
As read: 4h19
